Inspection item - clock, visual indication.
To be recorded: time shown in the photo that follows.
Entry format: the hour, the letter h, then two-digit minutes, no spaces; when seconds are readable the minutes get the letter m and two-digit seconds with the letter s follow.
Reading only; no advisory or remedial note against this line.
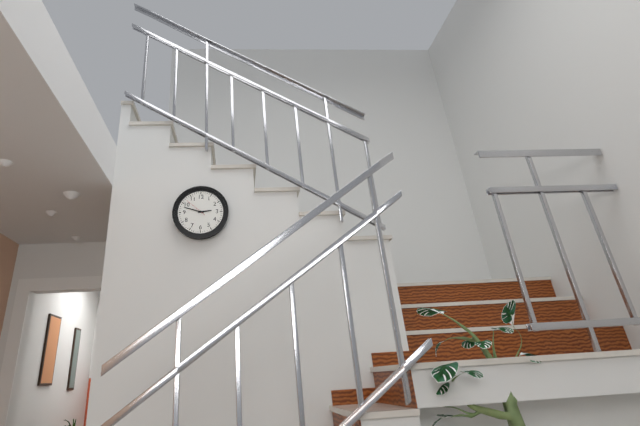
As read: 2h48
